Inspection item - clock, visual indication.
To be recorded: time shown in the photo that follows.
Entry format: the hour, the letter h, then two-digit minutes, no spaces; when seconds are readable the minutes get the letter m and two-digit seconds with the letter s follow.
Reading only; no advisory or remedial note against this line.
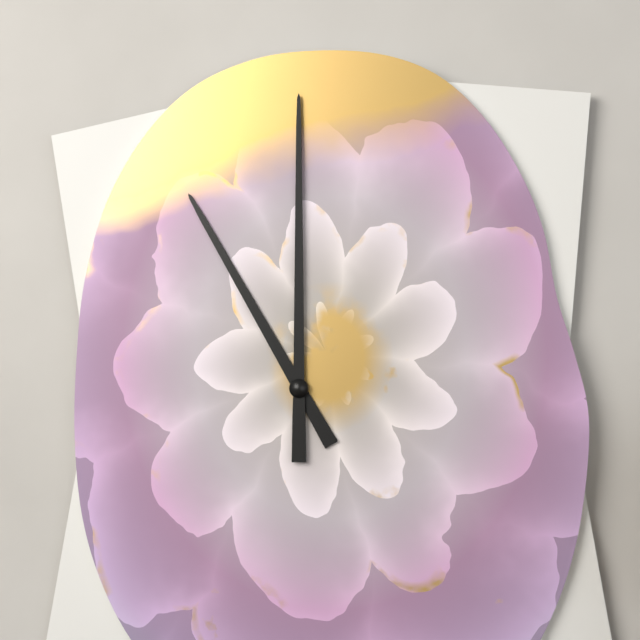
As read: 11h00
